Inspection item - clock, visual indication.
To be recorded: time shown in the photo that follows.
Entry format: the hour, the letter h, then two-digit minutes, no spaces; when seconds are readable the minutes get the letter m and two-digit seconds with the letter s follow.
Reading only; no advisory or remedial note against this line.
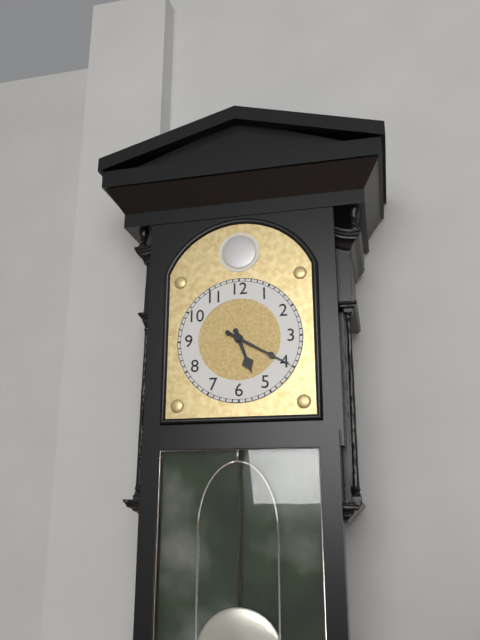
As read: 5h20
